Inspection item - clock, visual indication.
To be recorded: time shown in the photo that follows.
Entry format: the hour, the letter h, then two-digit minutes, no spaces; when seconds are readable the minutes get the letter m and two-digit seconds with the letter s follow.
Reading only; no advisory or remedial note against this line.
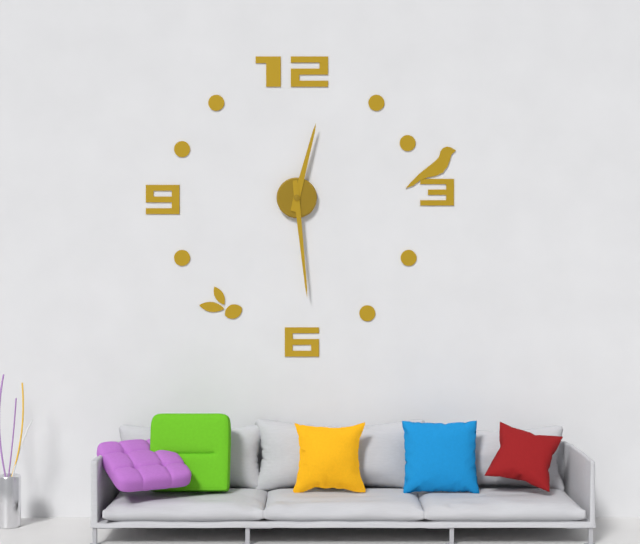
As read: 12h29
